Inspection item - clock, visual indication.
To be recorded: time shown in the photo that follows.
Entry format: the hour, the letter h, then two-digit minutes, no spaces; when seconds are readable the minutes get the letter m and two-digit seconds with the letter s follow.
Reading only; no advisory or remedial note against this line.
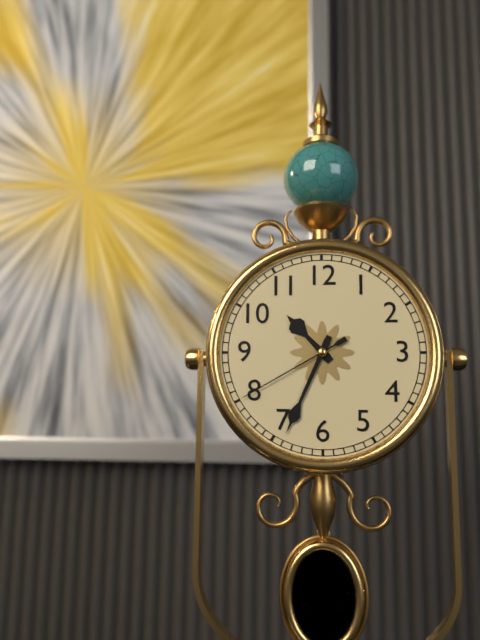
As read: 10h34m40s
